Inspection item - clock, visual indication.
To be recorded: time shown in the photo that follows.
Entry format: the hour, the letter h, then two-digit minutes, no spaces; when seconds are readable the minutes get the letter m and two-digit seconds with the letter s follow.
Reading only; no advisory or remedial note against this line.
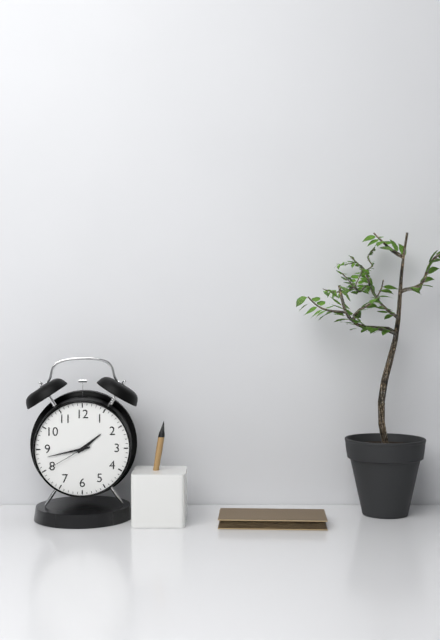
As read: 1h43m40s
